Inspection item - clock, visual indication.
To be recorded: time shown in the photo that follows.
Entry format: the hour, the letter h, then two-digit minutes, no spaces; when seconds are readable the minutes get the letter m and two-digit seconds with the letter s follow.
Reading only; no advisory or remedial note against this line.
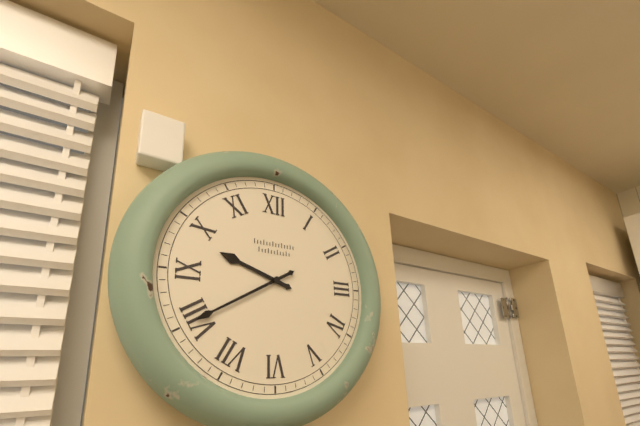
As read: 9h40
